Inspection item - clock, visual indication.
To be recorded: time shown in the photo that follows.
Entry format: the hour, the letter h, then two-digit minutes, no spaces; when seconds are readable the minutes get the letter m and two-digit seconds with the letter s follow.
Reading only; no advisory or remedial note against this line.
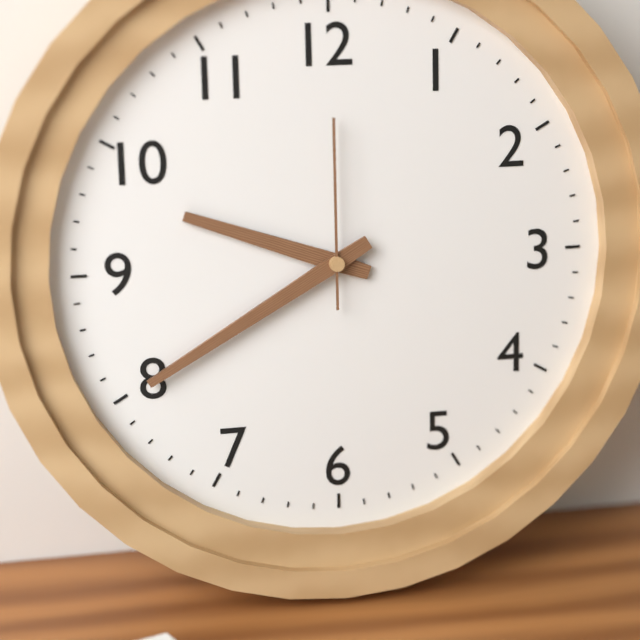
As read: 9h40m00s
